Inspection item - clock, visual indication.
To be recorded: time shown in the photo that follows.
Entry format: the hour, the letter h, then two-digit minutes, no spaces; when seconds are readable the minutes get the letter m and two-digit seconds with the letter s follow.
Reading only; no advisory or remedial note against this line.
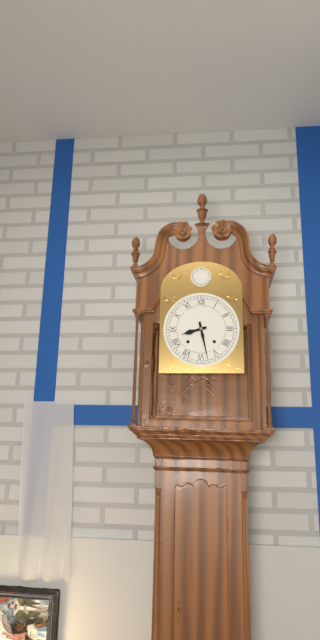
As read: 8h28
